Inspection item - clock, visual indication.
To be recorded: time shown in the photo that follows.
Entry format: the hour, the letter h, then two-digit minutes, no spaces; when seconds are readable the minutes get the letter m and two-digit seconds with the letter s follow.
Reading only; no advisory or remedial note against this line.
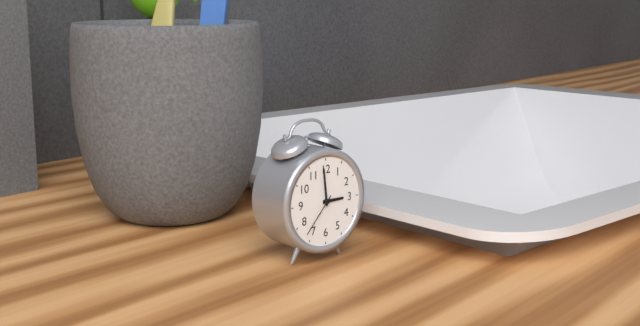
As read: 2h59
